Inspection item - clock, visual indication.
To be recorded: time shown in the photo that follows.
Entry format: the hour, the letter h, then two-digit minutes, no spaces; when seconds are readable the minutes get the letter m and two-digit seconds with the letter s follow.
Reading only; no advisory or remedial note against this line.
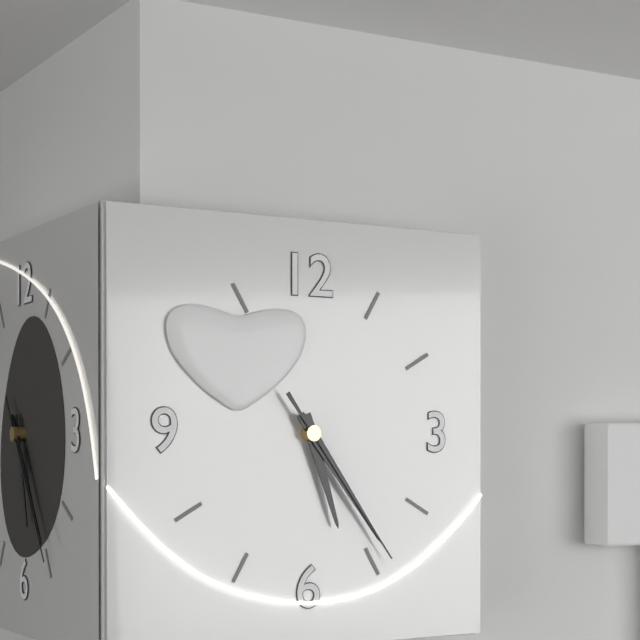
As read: 5h24m24s
